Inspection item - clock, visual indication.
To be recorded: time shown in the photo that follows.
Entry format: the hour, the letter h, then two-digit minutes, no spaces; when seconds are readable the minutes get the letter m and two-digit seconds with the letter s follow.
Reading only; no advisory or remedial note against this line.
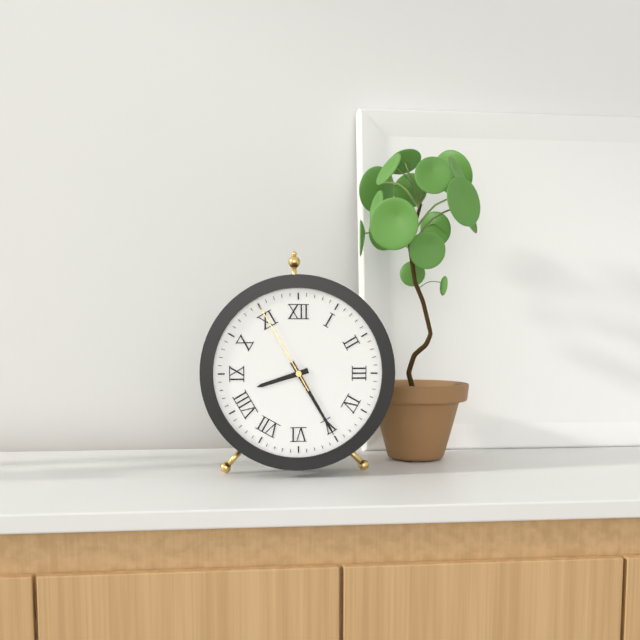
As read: 8h25m55s
